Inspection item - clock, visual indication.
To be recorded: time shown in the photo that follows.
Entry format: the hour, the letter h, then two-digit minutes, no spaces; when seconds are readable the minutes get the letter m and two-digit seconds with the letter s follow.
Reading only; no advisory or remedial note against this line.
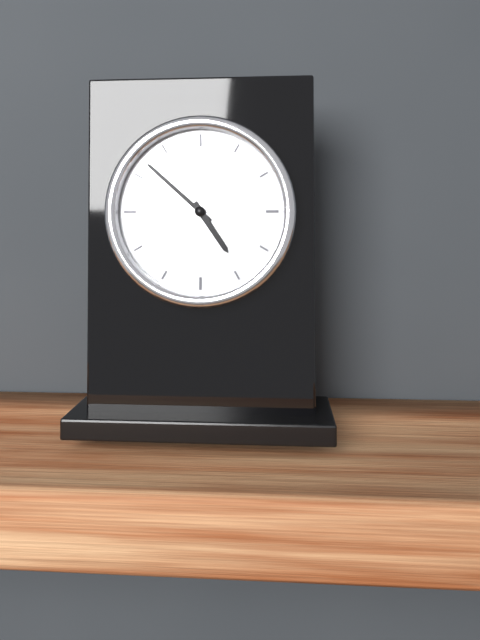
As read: 4h52
